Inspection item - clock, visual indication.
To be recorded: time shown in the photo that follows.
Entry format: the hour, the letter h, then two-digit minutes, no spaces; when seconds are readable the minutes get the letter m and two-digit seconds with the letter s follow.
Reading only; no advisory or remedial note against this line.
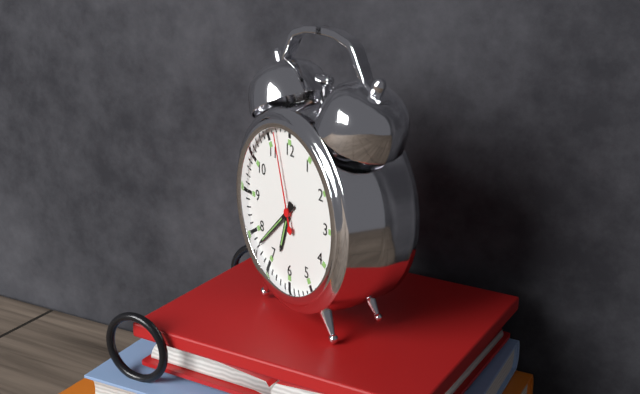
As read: 6h38m57s
